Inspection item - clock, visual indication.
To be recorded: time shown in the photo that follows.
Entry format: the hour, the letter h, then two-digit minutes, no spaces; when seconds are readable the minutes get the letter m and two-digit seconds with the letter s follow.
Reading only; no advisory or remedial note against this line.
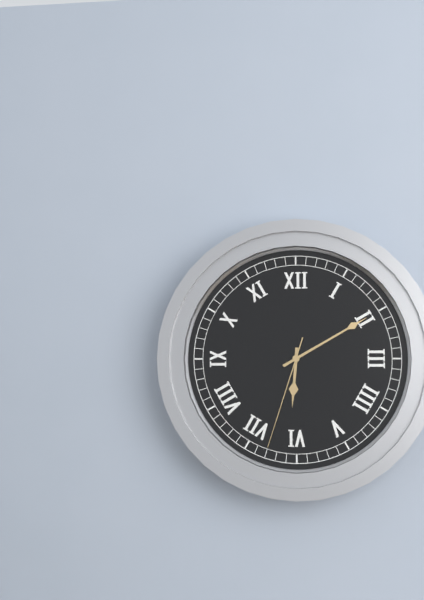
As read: 6h10m33s
